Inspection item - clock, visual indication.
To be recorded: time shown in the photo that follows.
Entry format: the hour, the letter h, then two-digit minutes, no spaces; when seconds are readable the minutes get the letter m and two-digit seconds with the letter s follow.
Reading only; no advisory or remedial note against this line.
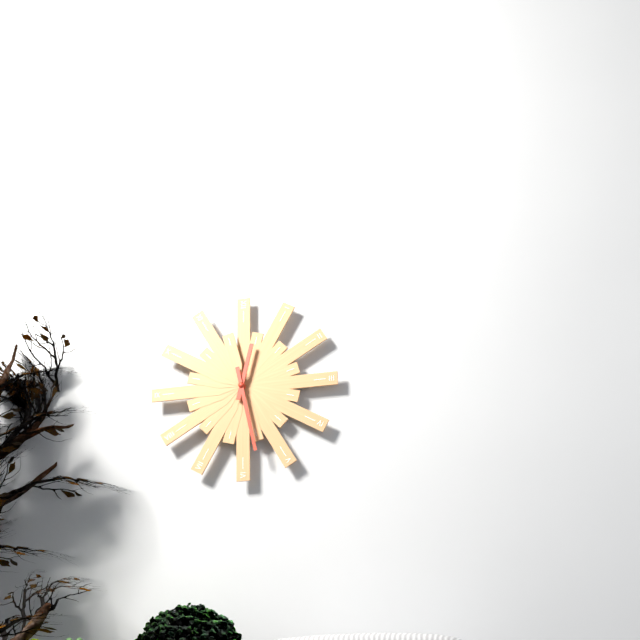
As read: 12h28
